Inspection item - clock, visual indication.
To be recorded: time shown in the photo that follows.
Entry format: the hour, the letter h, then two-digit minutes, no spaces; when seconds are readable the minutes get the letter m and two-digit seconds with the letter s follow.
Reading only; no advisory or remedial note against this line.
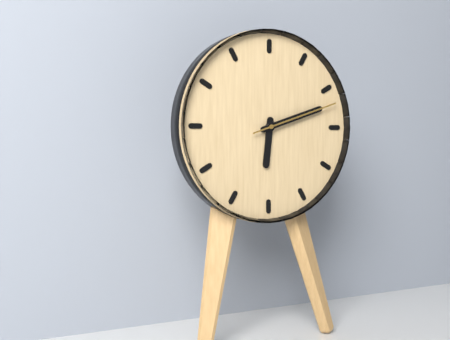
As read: 6h12m12s
